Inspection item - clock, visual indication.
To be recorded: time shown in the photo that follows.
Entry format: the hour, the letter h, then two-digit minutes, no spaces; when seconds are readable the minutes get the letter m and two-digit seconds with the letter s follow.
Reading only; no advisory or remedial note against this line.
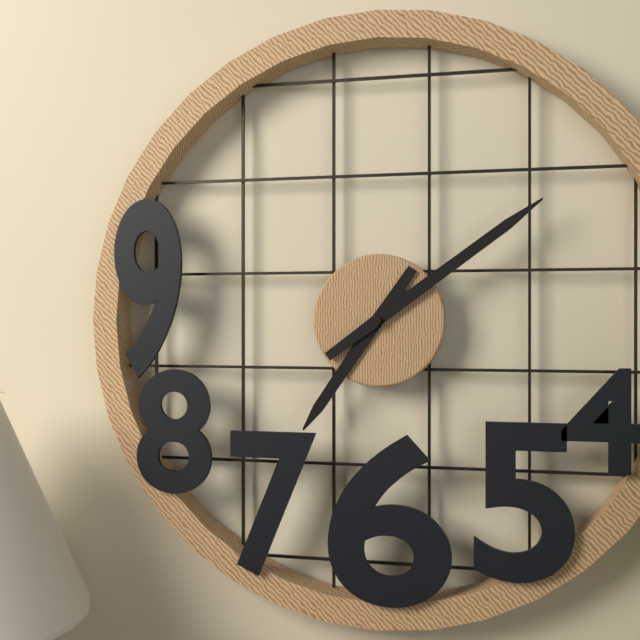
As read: 7h09
